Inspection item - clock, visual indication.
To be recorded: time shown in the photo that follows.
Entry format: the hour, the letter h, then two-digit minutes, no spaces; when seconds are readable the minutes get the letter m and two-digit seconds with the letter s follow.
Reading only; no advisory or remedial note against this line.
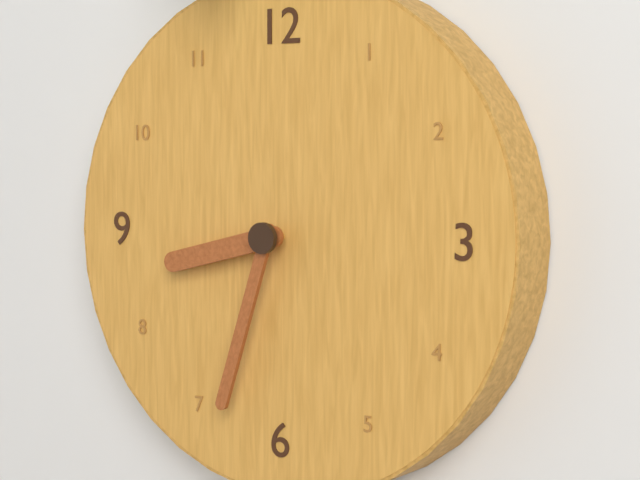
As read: 8h33
